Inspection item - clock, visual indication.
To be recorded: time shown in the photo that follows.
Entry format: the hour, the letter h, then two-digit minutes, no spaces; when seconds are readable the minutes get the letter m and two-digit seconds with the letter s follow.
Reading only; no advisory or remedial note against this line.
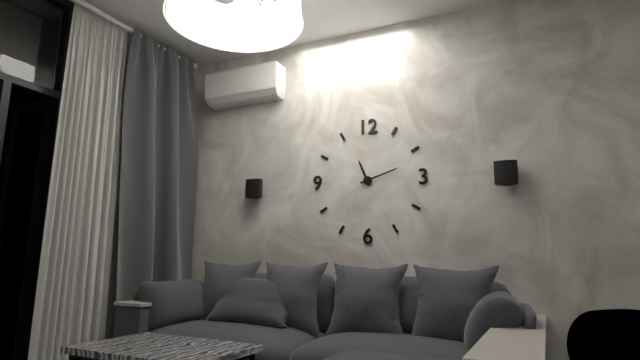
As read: 11h12
